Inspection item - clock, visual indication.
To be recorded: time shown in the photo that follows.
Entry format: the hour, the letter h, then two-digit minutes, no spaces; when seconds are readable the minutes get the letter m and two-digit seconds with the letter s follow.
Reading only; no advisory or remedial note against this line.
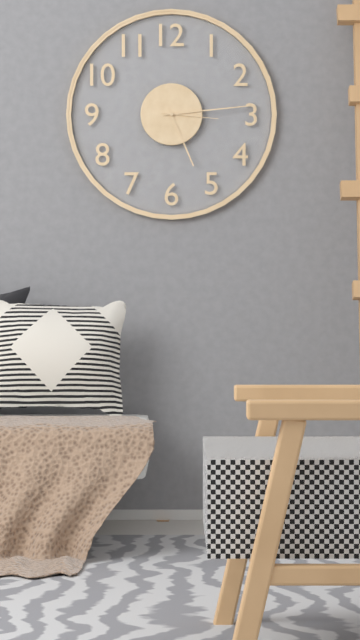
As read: 5h14m16s
